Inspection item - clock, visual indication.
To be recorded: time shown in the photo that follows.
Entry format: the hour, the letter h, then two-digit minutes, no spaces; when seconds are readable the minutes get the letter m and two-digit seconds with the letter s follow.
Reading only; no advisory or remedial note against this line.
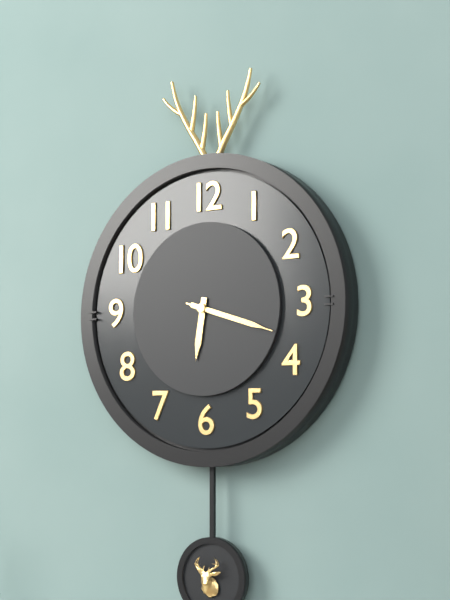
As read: 6h18m18s
